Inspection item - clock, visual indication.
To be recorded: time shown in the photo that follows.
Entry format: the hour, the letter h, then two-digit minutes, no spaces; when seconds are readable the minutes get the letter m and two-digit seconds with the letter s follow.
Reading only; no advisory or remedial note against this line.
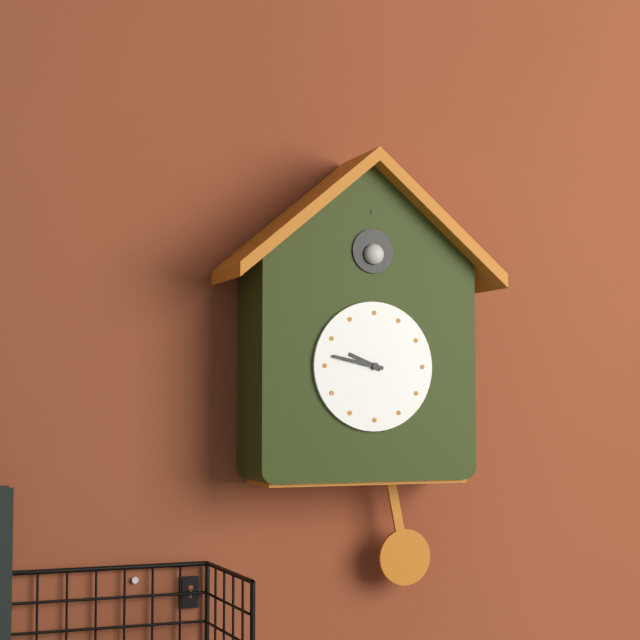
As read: 9h47
